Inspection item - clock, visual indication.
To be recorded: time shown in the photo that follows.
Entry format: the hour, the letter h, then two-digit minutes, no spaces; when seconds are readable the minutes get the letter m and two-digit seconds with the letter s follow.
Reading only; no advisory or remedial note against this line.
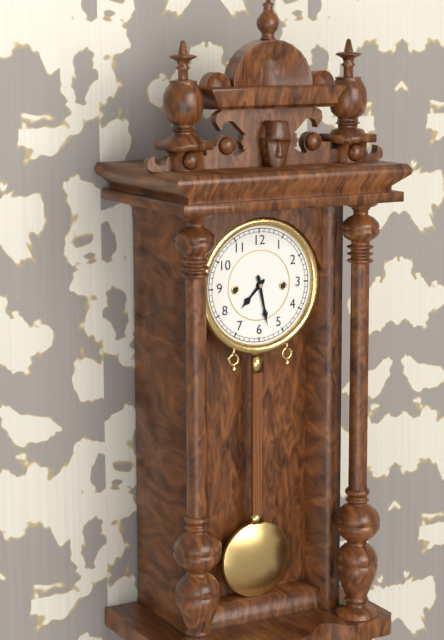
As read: 7h28
